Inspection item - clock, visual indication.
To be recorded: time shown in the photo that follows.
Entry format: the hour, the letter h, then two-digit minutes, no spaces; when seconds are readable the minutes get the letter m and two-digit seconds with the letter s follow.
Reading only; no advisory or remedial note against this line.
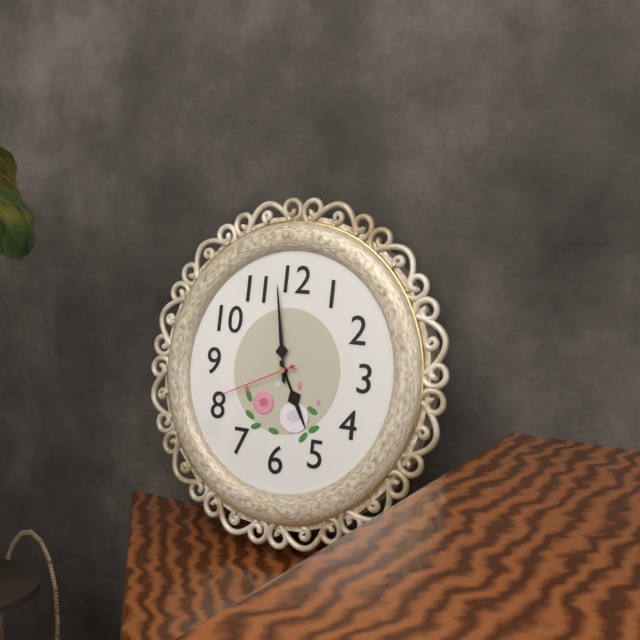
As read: 4h58m41s
